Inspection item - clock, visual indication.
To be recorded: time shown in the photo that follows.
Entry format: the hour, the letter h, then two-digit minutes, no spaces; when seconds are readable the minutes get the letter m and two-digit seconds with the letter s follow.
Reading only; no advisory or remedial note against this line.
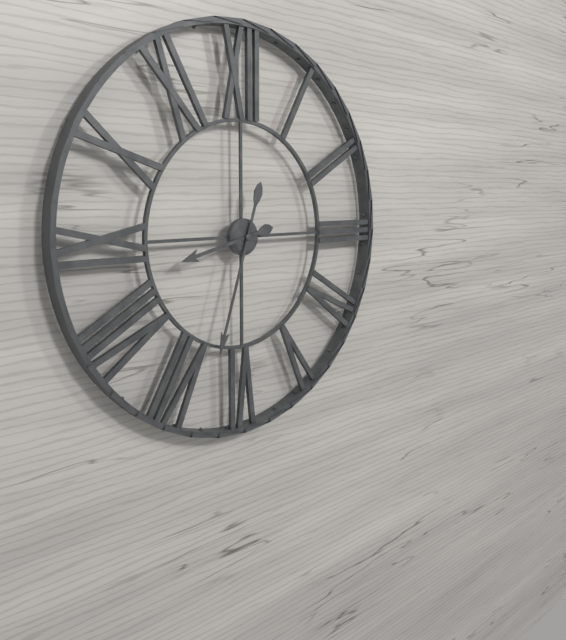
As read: 8h33
